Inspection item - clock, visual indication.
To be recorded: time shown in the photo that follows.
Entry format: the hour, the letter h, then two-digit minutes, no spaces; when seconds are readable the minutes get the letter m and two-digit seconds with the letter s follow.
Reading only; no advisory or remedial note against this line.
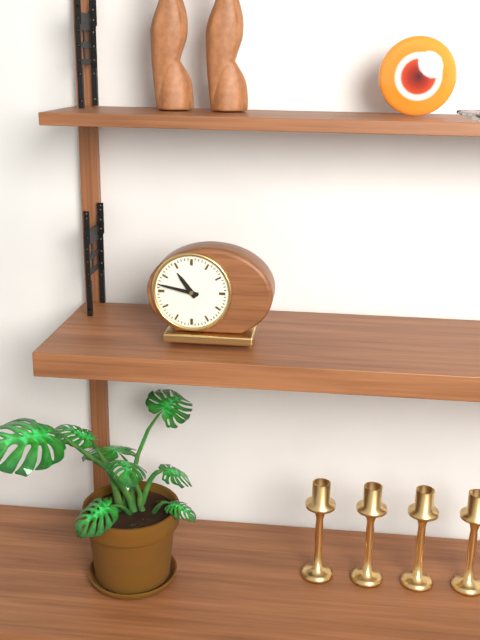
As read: 10h47
